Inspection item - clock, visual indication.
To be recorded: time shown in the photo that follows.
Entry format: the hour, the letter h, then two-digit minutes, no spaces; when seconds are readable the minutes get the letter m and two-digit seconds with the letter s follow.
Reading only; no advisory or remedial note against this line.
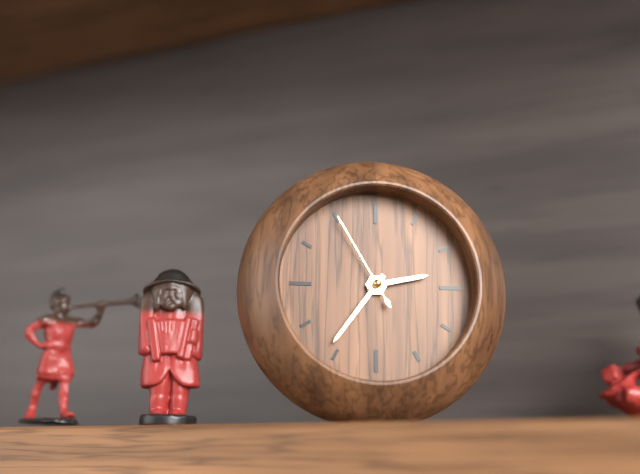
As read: 2h36m55s
